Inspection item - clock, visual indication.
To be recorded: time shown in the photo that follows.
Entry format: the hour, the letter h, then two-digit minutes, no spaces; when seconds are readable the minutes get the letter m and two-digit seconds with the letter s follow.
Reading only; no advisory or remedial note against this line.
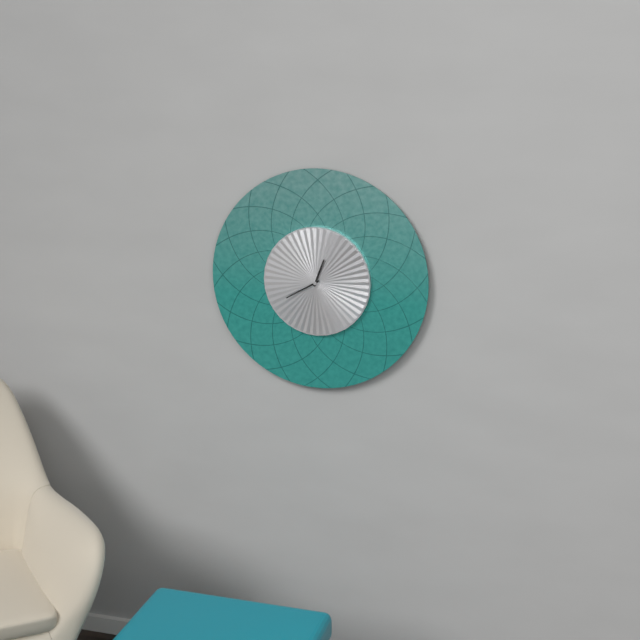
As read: 12h40
